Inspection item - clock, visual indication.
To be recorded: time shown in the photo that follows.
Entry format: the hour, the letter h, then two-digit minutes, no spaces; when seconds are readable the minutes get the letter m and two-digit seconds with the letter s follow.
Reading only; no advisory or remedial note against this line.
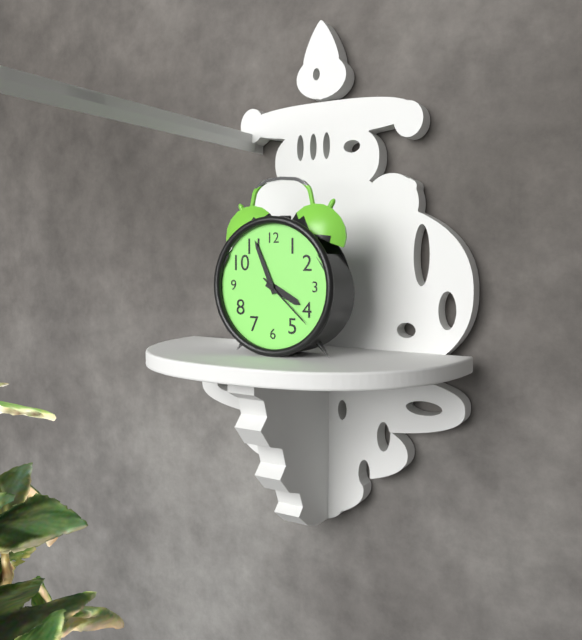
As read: 3h56m22s
